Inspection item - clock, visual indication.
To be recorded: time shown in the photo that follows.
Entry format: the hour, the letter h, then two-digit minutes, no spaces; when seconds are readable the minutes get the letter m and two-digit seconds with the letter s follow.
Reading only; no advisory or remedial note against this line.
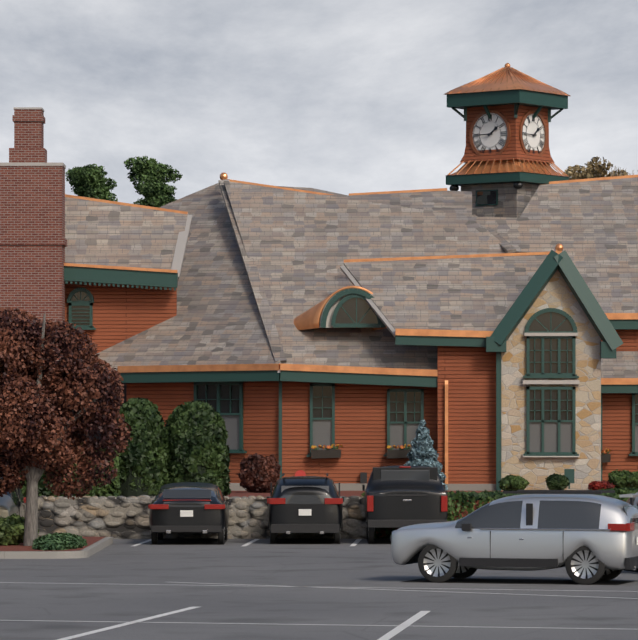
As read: 1h45
